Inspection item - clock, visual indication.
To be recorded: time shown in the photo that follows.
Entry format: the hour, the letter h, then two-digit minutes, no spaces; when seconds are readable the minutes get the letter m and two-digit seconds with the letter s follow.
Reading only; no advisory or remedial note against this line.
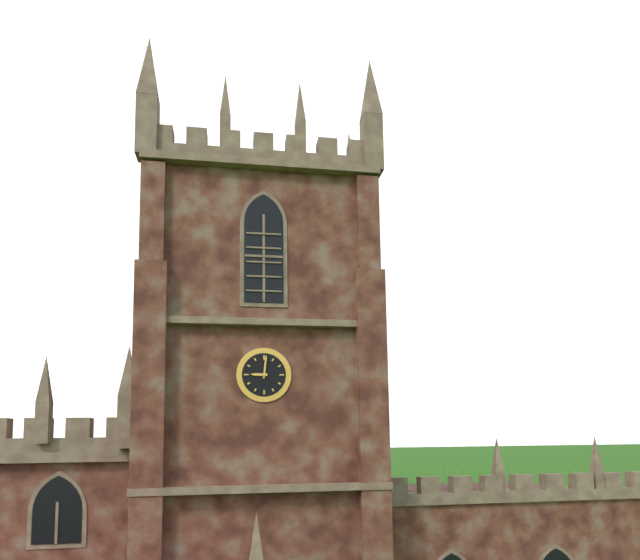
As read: 9h01
